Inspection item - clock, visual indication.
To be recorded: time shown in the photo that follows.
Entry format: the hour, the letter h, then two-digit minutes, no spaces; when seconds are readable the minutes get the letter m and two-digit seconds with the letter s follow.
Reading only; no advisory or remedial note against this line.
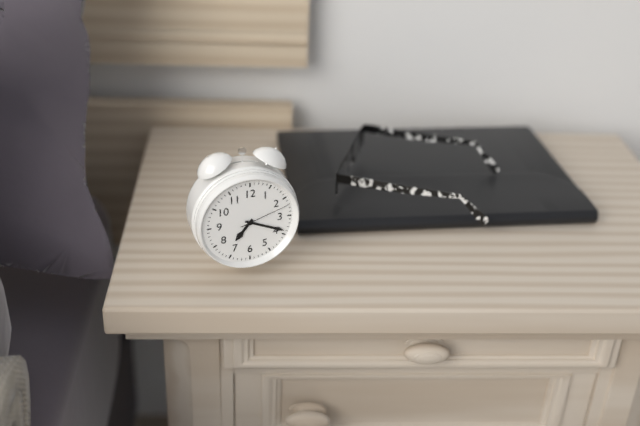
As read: 7h19m12s
